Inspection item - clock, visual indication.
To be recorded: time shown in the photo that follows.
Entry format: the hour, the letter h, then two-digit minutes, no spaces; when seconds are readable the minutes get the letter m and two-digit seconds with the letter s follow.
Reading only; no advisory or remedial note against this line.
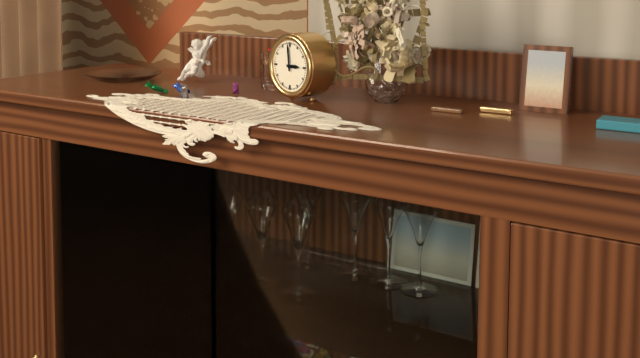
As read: 2h59
